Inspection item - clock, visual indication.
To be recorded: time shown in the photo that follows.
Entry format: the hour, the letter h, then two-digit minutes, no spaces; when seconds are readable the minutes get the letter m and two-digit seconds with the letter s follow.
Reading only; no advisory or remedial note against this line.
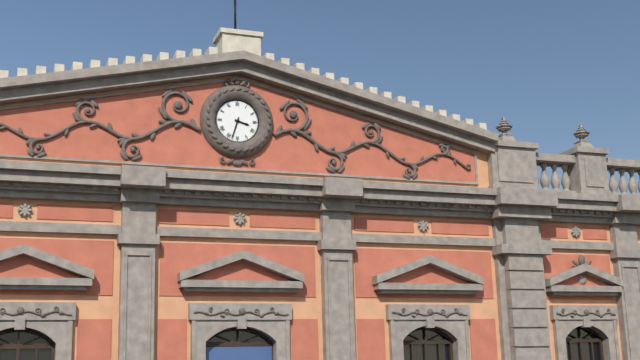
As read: 3h33
